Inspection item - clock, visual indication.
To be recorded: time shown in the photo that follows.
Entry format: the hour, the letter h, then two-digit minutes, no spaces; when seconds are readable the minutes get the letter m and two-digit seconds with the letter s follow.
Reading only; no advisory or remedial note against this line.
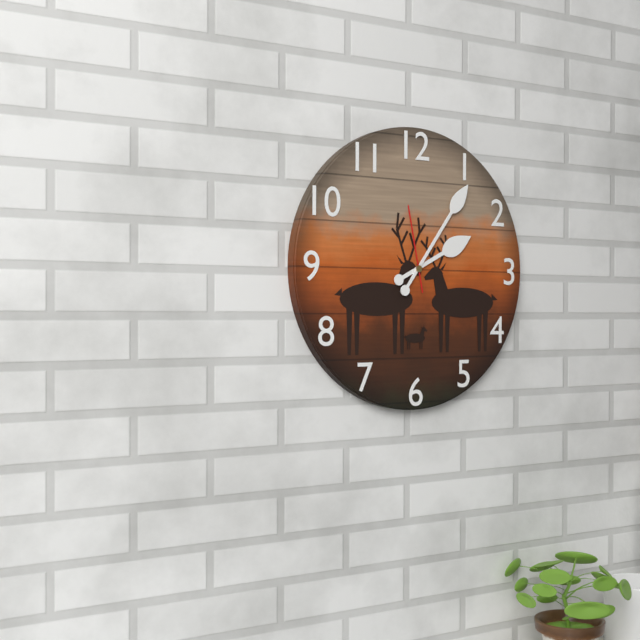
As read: 2h06m58s
